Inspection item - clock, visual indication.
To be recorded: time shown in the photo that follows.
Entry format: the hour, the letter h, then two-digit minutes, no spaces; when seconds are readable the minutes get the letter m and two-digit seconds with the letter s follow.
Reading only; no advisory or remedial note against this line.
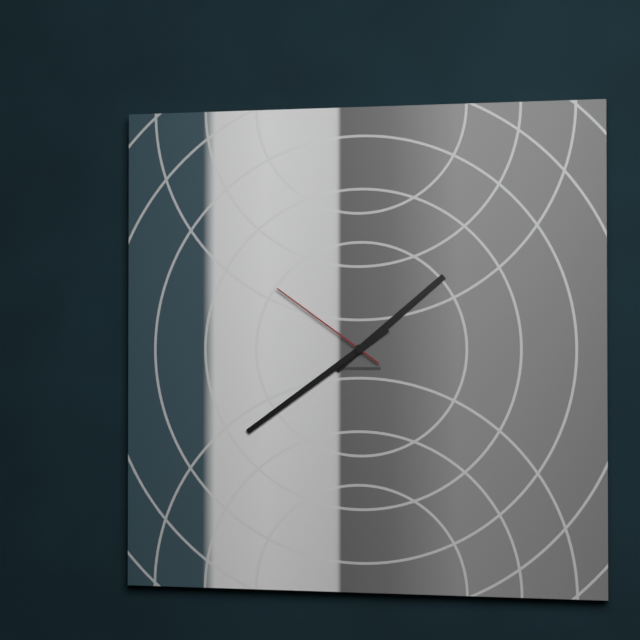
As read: 1h39m51s
